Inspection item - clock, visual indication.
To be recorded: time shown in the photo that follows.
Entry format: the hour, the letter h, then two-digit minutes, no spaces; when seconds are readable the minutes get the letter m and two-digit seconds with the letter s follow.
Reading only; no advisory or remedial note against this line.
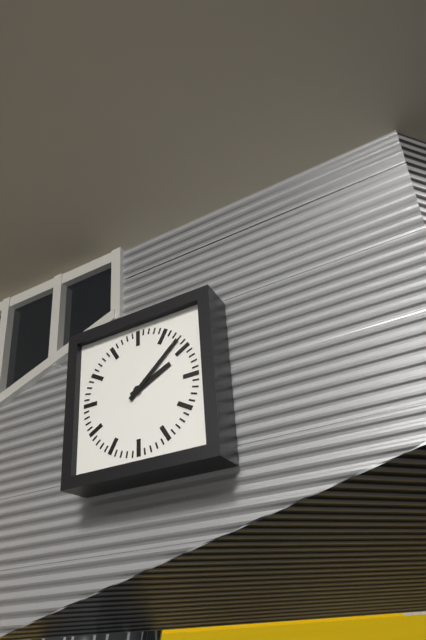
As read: 2h08
